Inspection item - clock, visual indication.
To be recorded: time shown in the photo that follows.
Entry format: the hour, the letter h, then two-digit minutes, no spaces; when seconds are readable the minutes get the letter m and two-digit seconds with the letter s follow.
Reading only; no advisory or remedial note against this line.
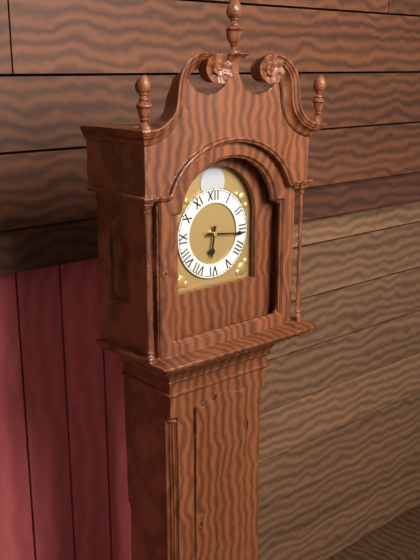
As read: 6h16
